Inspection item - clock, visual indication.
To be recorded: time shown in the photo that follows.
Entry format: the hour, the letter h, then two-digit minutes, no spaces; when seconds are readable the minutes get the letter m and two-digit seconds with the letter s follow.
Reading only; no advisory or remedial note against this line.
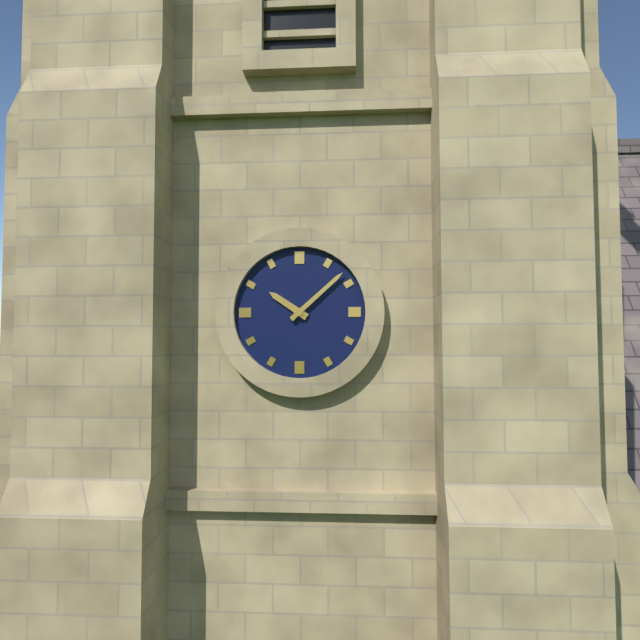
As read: 10h08
